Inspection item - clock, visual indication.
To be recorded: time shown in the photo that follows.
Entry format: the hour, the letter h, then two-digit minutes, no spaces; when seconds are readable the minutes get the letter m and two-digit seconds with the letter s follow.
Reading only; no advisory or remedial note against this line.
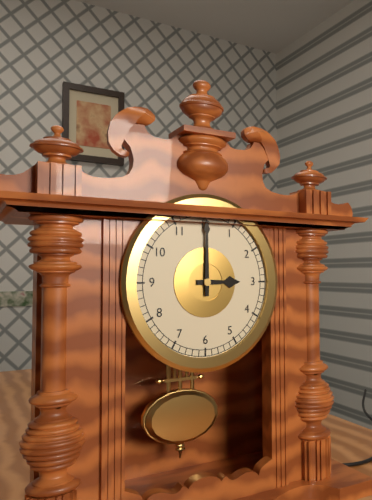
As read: 3h00
